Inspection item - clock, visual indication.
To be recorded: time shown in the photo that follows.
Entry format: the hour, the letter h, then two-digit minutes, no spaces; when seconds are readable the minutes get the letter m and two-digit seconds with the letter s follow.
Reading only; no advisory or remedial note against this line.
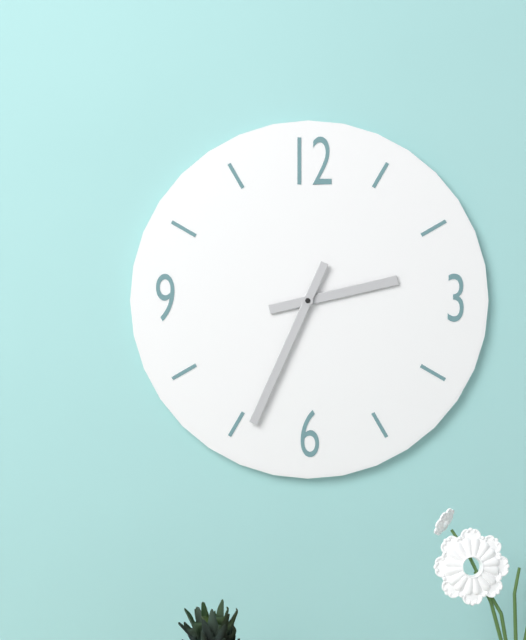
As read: 2h34
